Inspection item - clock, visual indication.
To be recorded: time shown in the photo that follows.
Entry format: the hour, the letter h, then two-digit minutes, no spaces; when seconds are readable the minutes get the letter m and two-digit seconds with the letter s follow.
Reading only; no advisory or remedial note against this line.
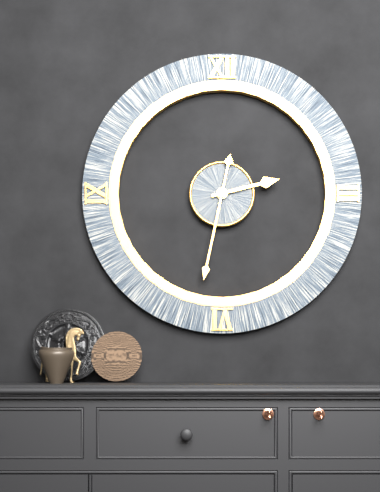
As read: 2h32
